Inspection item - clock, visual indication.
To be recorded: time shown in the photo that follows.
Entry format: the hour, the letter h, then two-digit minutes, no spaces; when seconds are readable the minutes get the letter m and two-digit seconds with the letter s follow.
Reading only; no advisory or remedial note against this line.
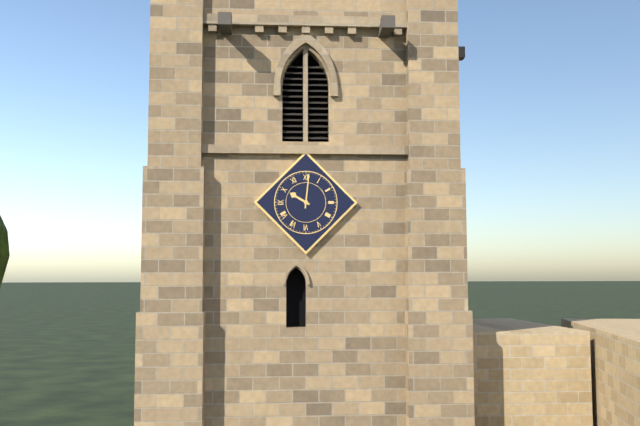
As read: 10h01
